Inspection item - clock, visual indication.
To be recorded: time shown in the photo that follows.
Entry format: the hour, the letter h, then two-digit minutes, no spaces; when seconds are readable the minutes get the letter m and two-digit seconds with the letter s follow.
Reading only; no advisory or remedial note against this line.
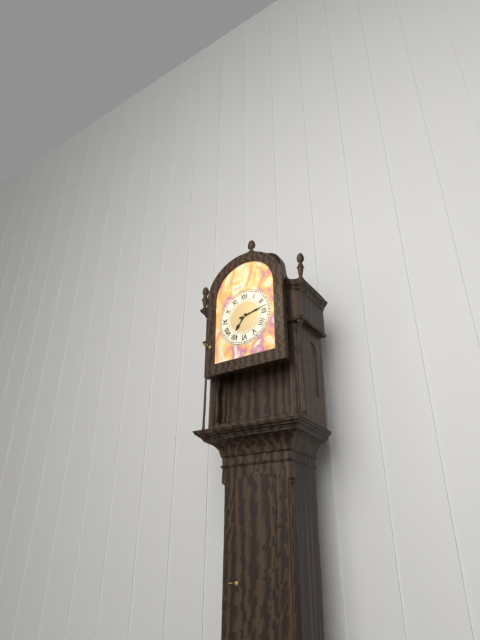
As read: 7h13
